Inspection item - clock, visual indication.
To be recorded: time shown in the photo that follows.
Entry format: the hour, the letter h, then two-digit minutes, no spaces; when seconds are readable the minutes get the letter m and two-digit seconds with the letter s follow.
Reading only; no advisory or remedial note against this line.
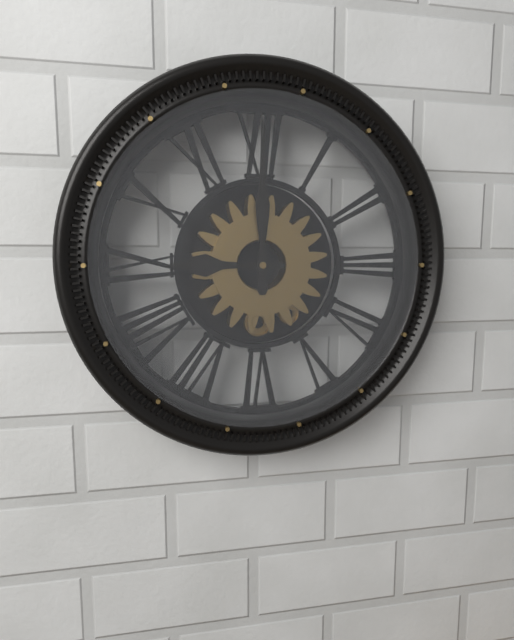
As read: 9h00
